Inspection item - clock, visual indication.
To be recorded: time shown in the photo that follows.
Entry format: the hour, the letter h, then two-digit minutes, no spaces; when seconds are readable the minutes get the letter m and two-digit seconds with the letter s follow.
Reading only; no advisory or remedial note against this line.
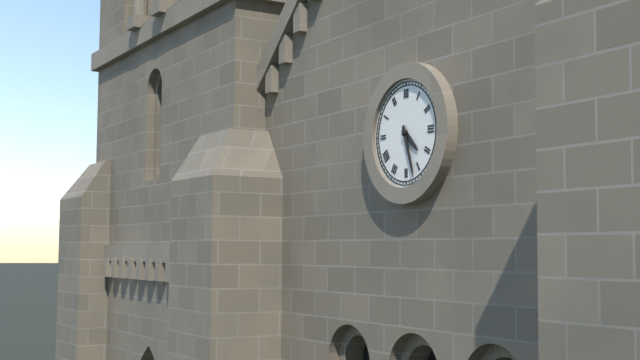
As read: 4h27
